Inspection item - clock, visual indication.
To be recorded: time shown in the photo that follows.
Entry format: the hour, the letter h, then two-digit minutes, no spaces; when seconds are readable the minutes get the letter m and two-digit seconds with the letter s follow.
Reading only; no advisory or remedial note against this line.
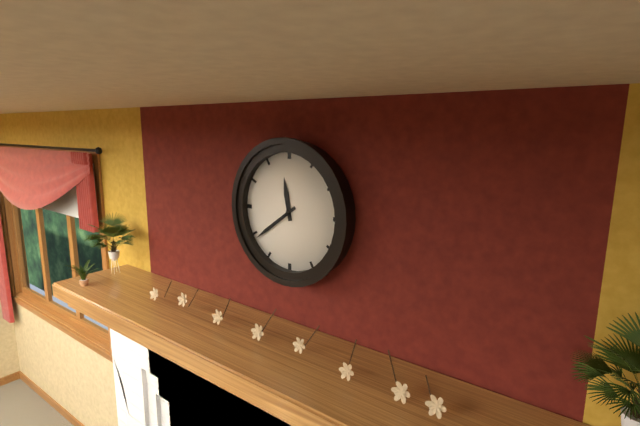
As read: 11h39
